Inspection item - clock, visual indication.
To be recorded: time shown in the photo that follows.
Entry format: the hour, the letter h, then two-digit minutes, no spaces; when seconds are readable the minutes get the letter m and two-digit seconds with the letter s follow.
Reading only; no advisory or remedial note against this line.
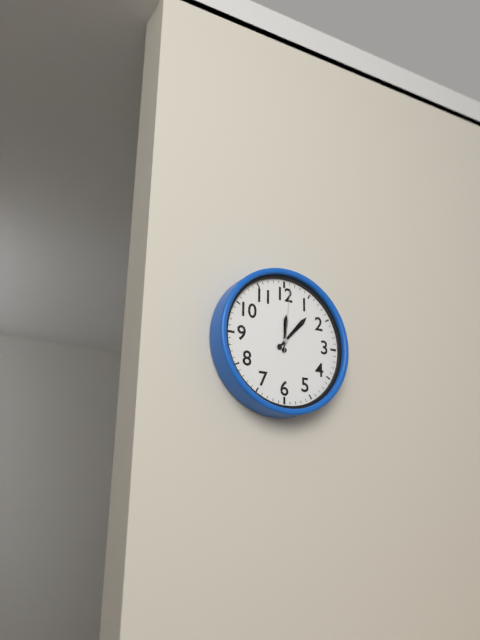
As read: 12h07m01s
